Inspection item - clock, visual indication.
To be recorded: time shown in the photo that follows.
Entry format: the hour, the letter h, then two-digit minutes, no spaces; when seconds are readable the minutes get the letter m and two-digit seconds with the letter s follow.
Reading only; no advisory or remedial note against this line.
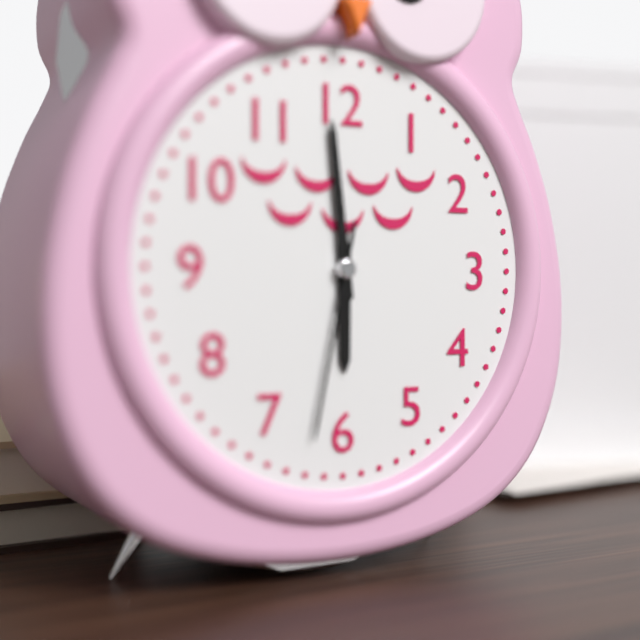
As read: 5h59m32s
